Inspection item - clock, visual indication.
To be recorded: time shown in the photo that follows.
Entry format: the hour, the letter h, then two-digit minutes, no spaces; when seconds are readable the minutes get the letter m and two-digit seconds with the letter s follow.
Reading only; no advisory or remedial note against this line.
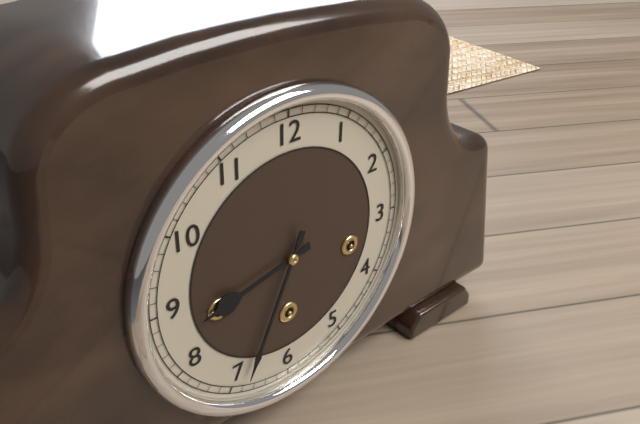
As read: 8h34
